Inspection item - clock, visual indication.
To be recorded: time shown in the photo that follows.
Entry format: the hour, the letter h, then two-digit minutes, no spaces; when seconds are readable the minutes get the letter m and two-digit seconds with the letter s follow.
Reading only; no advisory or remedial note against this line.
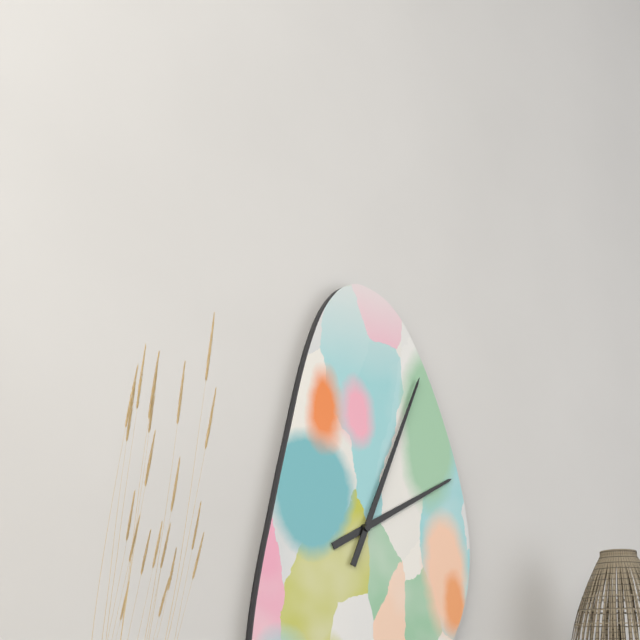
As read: 2h04
